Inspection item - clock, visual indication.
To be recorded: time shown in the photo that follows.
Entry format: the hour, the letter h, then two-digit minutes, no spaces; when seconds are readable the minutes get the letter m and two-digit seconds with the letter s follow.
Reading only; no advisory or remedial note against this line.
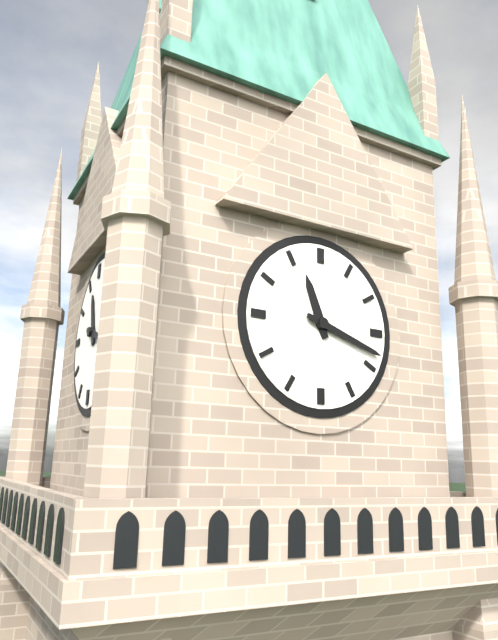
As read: 11h18
